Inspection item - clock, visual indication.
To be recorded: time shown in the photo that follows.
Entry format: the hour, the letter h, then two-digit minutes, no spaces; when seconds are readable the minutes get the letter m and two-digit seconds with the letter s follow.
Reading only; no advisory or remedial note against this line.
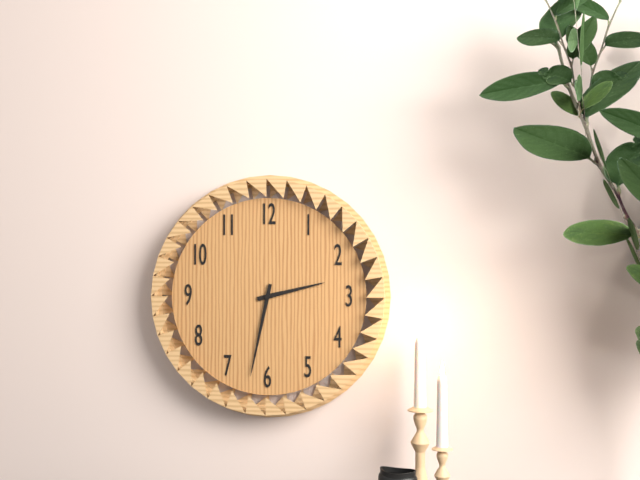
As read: 2h32
